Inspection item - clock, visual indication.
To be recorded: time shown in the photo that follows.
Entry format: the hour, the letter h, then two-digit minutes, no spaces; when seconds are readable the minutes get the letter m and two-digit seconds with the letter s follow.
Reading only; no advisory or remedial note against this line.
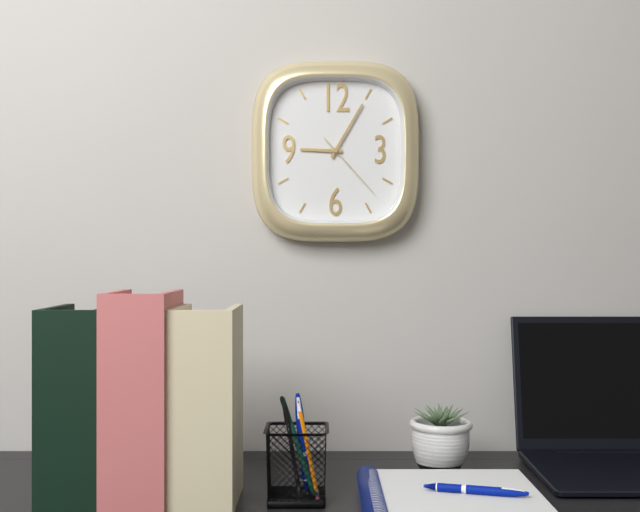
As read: 9h05m23s
